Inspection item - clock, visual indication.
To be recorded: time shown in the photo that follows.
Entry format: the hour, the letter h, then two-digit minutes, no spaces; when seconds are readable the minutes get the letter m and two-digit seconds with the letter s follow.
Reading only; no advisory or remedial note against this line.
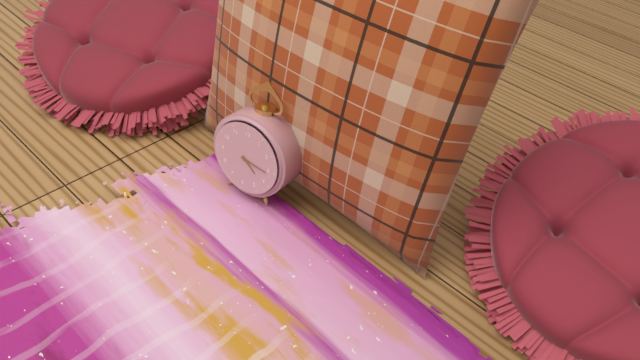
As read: 4h16
